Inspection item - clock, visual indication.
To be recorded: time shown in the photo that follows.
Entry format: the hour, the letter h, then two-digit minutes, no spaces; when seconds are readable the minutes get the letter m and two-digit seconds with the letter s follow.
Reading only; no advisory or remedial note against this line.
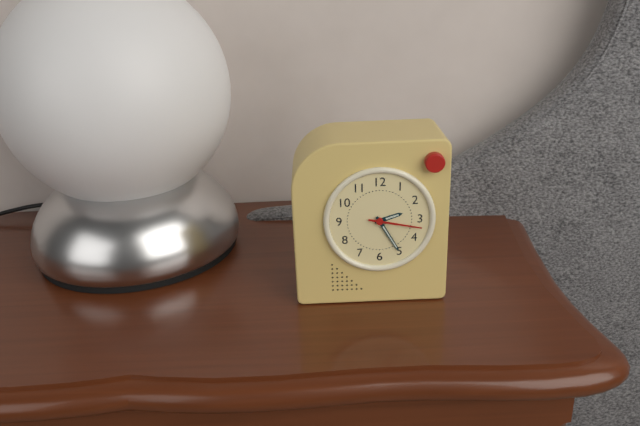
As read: 2h25m17s
